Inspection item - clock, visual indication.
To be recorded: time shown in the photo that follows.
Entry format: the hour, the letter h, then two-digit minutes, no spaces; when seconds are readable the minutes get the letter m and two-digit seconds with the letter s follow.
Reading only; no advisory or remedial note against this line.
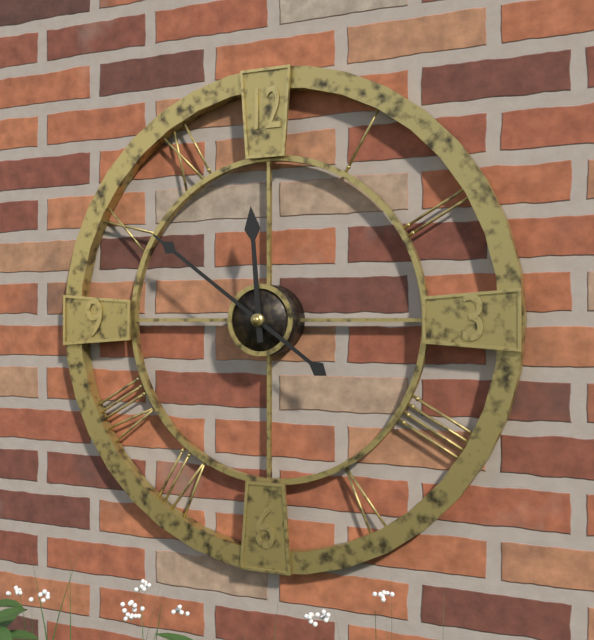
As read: 11h51
